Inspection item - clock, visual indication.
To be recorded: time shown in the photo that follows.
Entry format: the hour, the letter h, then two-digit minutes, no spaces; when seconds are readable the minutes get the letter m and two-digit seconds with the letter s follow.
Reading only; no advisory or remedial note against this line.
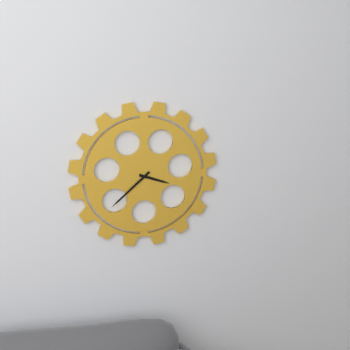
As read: 3h38
